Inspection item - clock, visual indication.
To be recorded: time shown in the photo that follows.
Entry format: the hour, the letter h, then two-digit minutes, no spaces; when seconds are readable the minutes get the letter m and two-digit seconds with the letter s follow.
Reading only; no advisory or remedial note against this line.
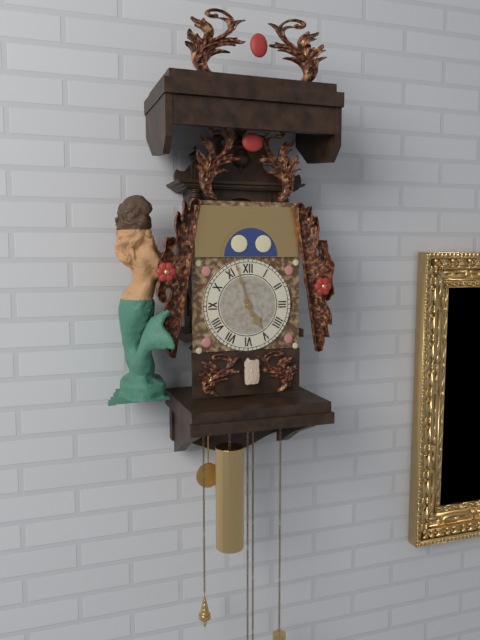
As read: 4h57
